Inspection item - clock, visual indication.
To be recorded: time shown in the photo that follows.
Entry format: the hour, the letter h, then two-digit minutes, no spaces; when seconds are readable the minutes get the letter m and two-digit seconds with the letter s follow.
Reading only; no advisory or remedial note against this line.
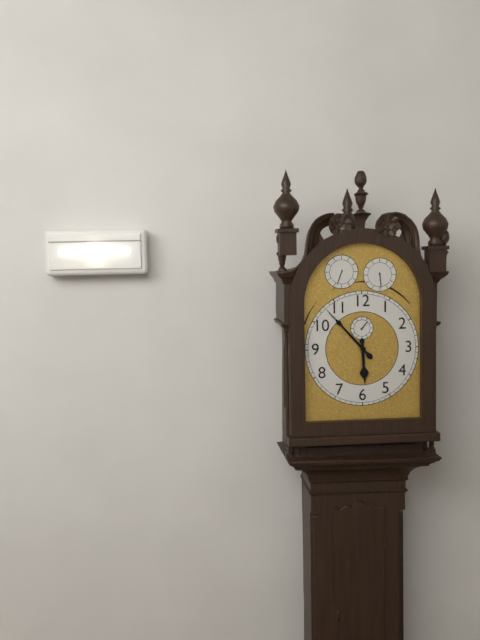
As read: 5h53
